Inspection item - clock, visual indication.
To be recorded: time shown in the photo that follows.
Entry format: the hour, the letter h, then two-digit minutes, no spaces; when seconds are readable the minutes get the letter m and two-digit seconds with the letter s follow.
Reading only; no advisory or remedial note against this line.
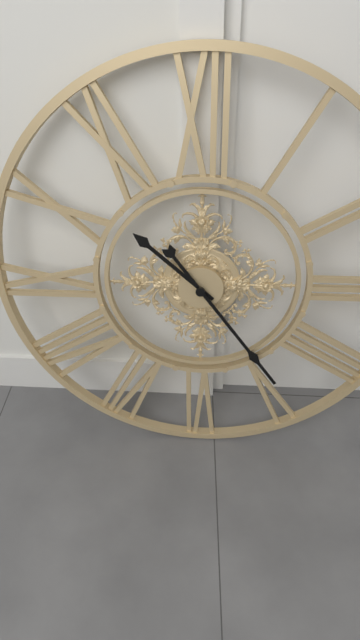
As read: 10h24
